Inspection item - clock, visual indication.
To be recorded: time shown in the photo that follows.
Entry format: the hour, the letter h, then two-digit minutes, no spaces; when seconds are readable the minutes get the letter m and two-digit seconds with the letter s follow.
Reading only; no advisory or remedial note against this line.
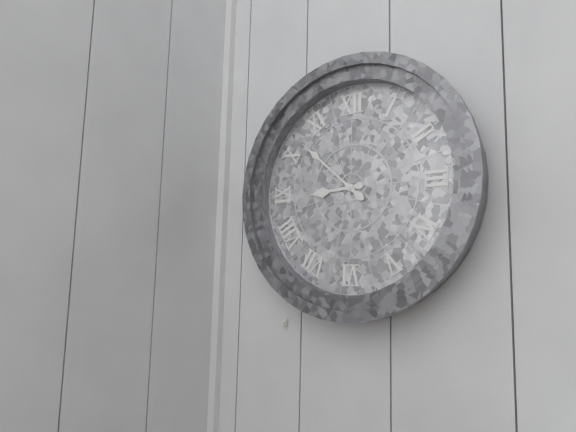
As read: 8h52
